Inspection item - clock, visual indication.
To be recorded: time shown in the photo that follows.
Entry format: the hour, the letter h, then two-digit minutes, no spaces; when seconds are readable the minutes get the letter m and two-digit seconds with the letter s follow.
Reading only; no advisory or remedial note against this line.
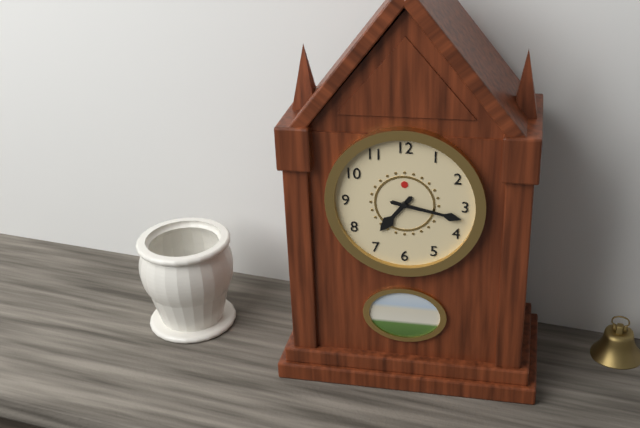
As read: 7h17
